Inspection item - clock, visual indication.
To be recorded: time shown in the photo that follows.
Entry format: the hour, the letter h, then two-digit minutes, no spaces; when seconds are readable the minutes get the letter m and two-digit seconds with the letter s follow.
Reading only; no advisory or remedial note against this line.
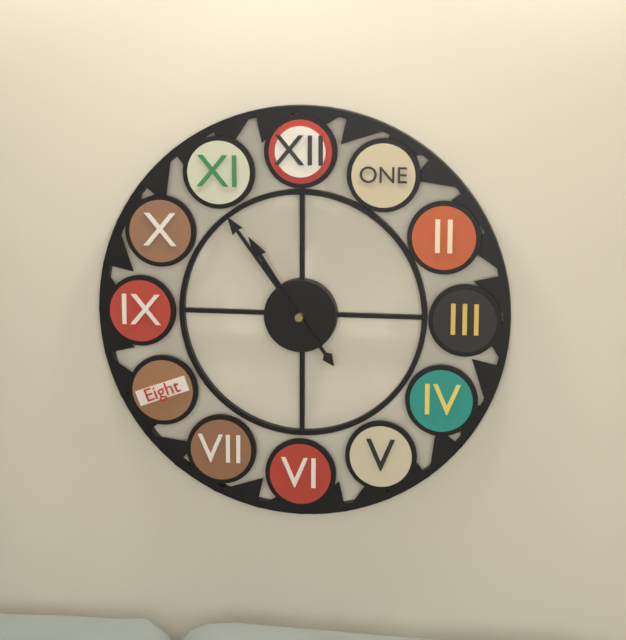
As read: 10h54
